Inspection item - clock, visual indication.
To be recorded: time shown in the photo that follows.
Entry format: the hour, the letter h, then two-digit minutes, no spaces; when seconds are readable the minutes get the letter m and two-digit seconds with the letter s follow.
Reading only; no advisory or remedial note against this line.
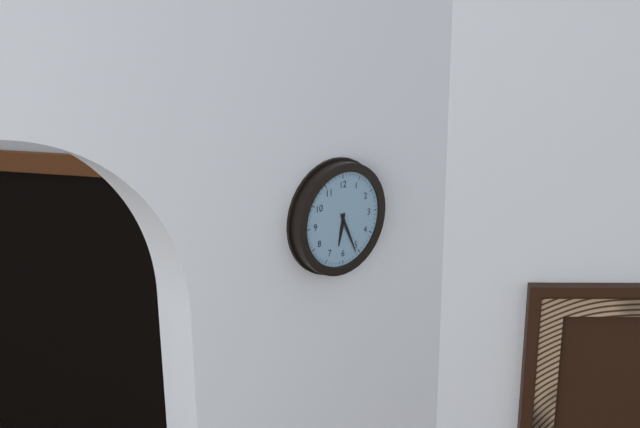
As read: 6h26
